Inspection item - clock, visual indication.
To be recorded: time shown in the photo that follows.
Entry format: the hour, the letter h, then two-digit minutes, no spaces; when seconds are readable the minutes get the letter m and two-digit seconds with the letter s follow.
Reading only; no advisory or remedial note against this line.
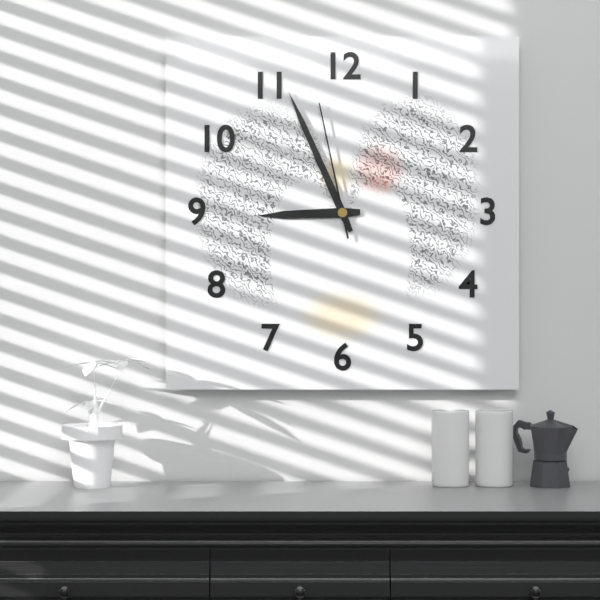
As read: 8h56m58s
